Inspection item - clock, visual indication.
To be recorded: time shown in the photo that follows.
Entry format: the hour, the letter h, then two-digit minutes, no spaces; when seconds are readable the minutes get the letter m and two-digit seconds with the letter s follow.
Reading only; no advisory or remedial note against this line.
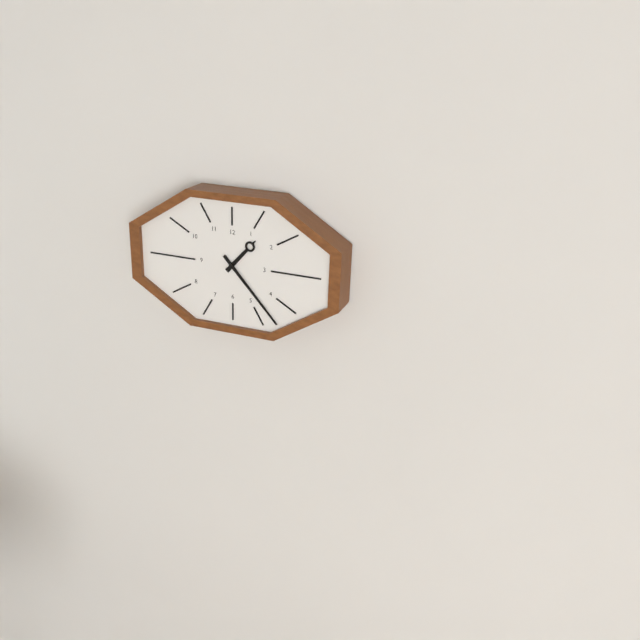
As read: 1h23
